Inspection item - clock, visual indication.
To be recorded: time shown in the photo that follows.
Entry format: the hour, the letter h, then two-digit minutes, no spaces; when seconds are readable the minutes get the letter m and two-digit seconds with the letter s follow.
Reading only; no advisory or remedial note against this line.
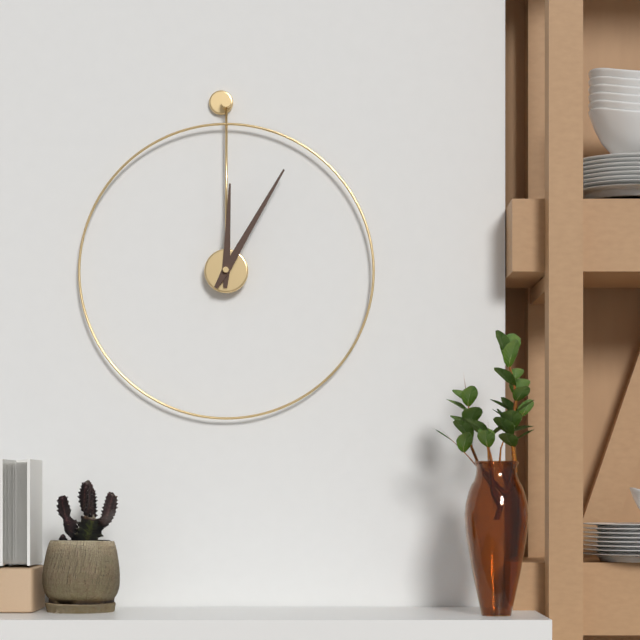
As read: 12h05
